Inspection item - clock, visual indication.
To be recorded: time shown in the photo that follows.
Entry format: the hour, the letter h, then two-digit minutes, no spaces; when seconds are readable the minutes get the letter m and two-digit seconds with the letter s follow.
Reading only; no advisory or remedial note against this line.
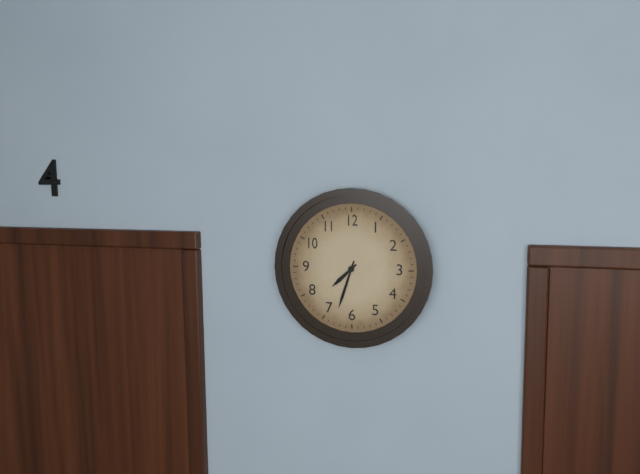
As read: 7h33
